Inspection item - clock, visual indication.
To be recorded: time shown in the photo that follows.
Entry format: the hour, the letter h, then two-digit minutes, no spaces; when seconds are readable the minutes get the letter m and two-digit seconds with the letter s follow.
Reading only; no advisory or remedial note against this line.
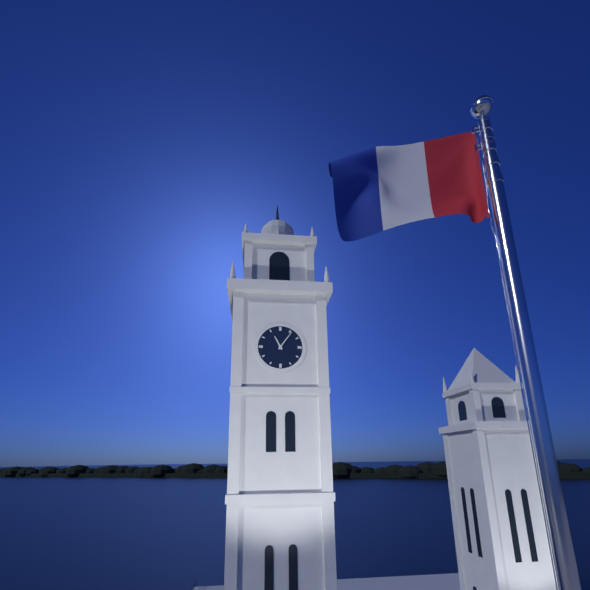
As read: 11h06
